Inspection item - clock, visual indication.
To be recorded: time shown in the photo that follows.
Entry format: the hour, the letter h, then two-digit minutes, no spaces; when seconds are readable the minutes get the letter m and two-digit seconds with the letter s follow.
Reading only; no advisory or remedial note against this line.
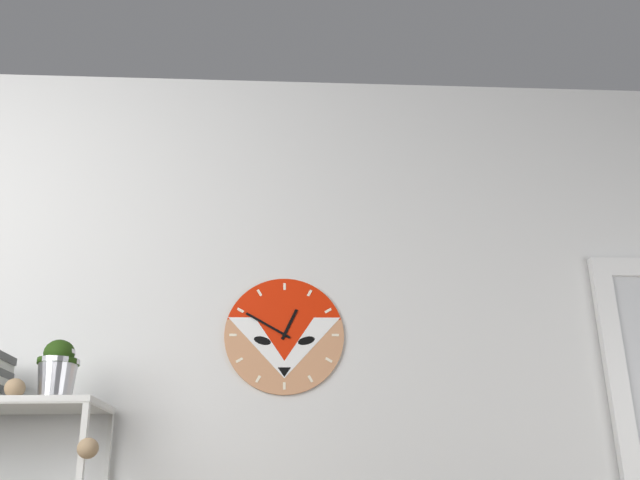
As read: 12h50
